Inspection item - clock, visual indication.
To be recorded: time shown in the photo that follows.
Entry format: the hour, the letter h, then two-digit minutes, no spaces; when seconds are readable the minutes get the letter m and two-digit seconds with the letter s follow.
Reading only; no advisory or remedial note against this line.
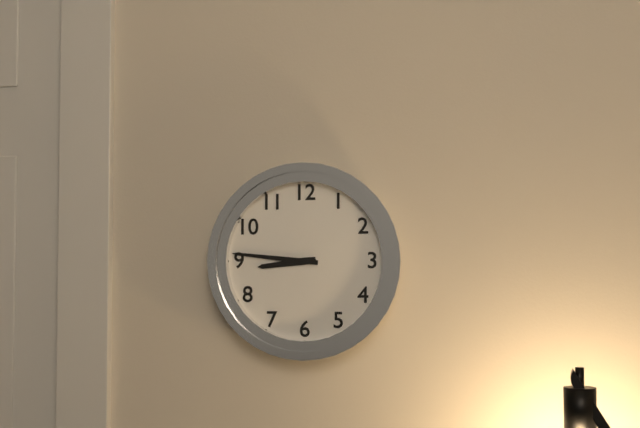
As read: 8h46
